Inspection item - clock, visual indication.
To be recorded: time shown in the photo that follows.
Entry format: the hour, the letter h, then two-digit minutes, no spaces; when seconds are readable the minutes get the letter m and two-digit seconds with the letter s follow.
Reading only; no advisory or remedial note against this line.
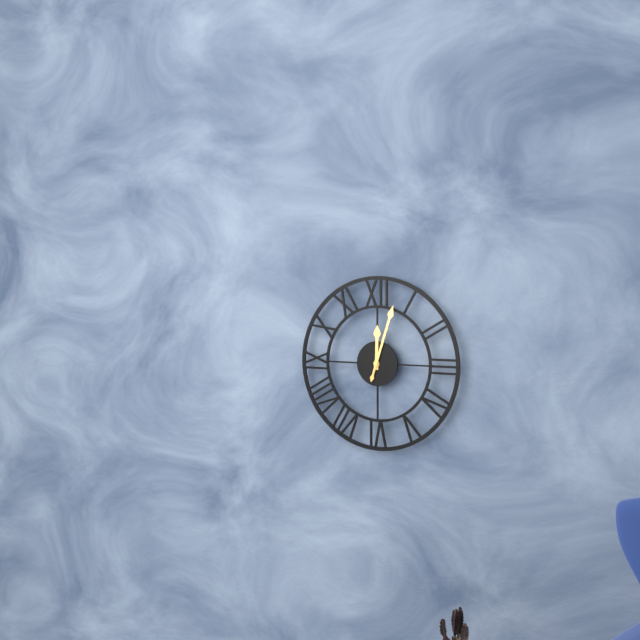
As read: 12h03
